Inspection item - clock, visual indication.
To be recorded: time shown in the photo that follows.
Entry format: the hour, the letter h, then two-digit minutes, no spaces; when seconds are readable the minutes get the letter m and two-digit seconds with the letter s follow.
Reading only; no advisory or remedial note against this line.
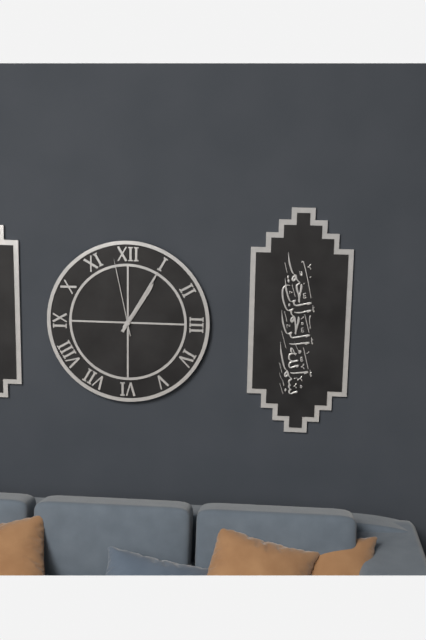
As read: 1h05m58s
